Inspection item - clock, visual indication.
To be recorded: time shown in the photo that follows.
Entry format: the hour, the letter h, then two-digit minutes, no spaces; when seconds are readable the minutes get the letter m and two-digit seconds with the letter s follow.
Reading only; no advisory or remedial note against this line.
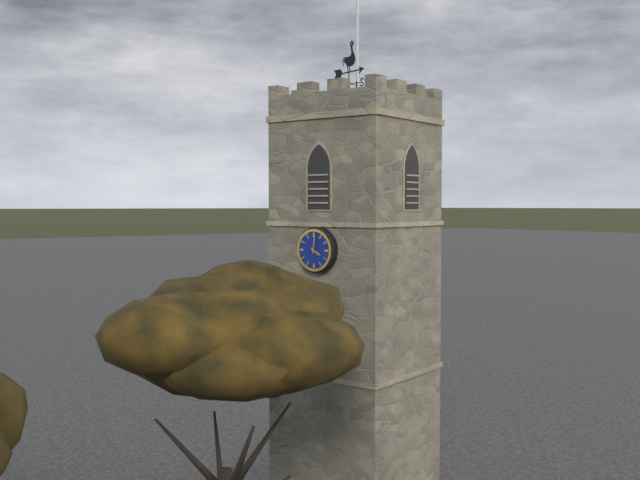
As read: 4h01
